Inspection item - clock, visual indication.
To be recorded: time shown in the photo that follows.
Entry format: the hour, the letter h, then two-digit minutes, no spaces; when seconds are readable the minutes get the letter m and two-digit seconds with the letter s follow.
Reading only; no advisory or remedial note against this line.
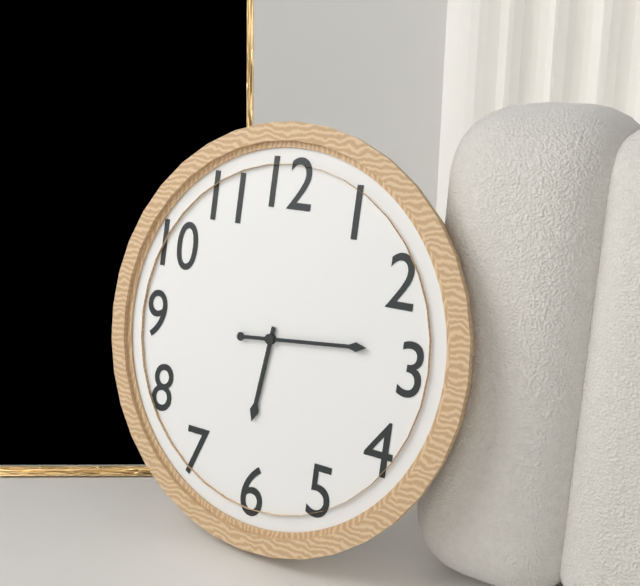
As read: 6h14
